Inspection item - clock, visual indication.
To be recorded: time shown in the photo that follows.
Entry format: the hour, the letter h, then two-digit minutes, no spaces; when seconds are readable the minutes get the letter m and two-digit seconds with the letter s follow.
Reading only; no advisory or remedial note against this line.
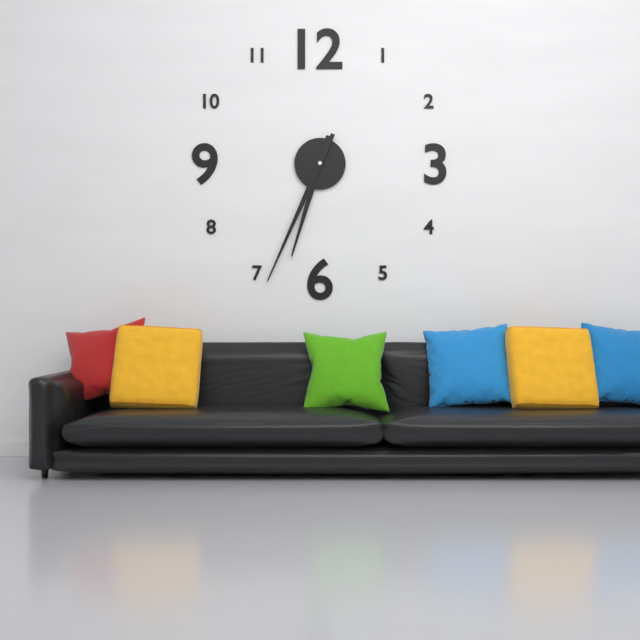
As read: 6h34
